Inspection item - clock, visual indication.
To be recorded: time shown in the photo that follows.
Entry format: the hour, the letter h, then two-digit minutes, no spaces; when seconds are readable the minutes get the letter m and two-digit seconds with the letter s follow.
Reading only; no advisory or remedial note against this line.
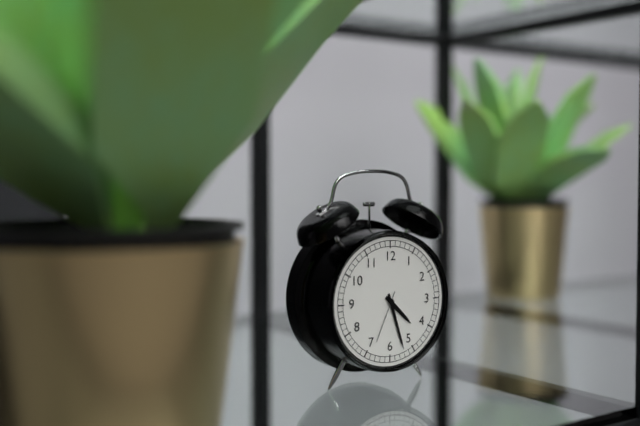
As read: 4h27m34s
